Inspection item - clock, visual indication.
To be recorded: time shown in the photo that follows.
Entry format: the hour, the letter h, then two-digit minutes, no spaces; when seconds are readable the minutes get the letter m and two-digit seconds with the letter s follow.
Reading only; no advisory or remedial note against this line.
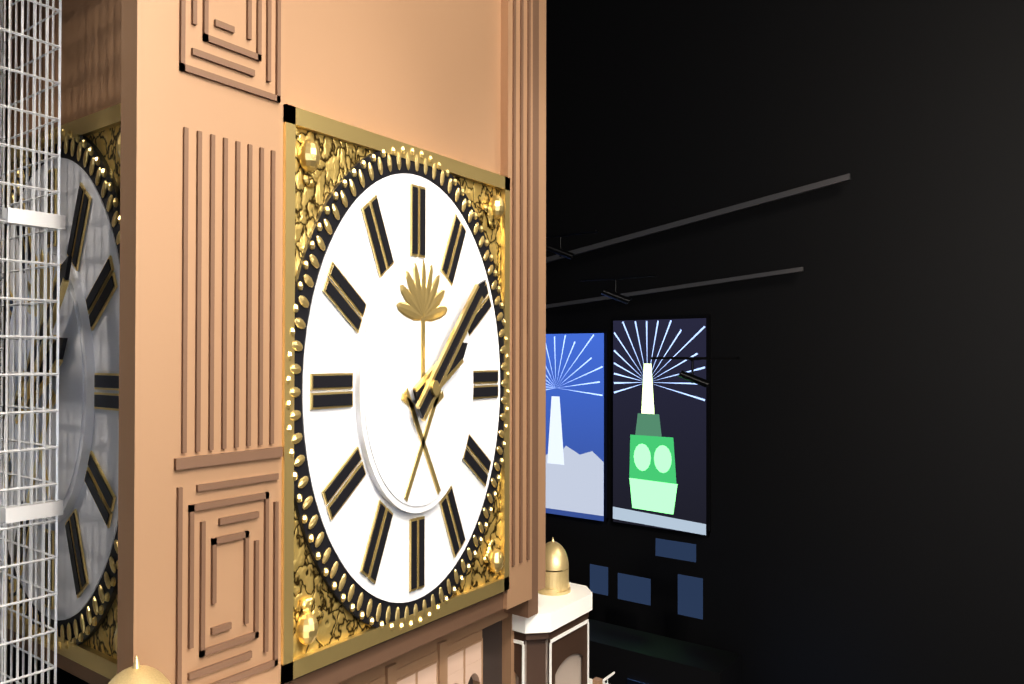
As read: 2h08
